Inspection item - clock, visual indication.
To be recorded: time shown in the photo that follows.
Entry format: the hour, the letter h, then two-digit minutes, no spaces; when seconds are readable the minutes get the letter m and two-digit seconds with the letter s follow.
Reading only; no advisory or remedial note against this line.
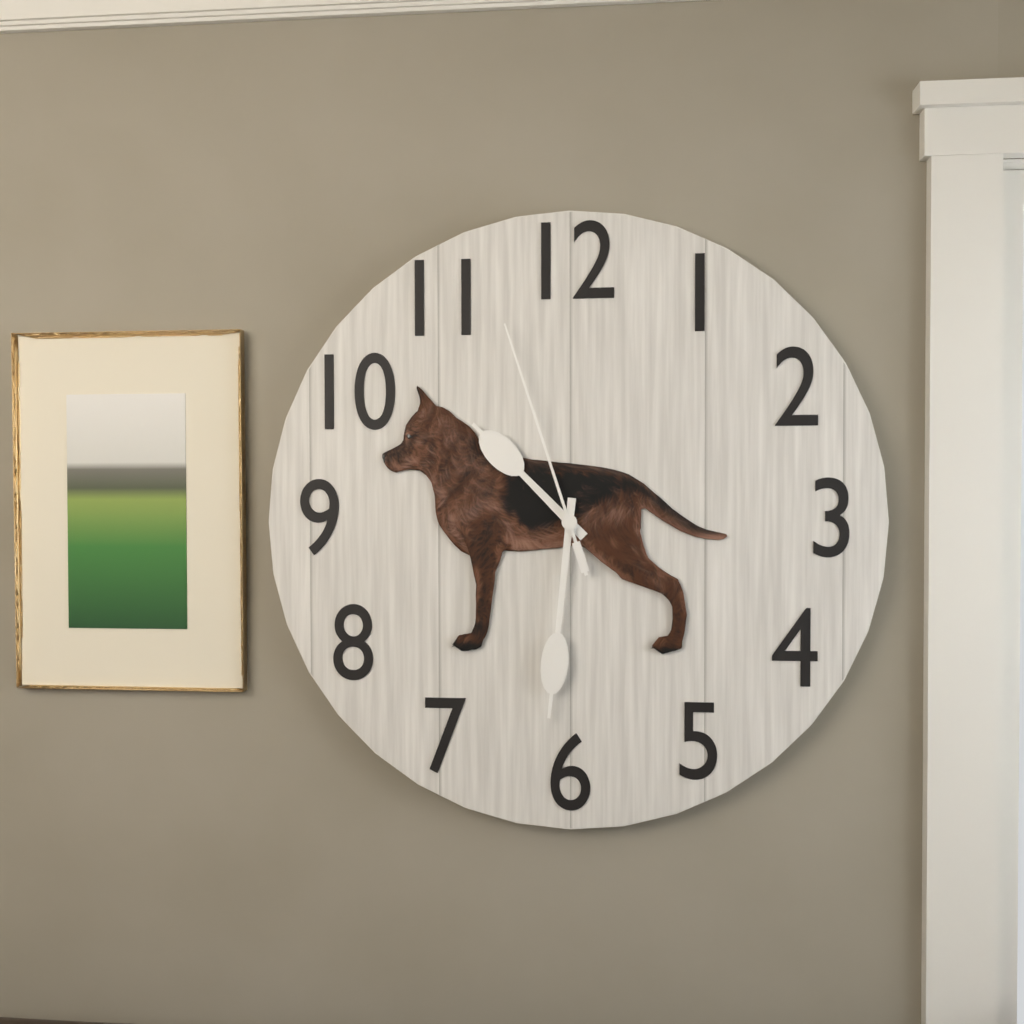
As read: 10h31m57s
